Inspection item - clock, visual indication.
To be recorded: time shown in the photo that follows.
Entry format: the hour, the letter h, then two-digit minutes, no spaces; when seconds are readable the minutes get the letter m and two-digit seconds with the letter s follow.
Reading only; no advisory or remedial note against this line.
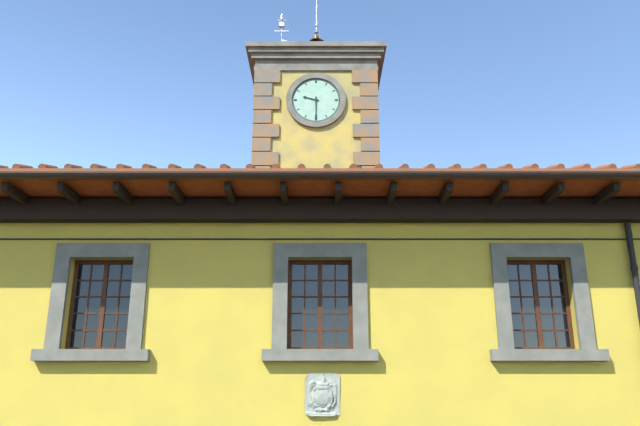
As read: 9h30
